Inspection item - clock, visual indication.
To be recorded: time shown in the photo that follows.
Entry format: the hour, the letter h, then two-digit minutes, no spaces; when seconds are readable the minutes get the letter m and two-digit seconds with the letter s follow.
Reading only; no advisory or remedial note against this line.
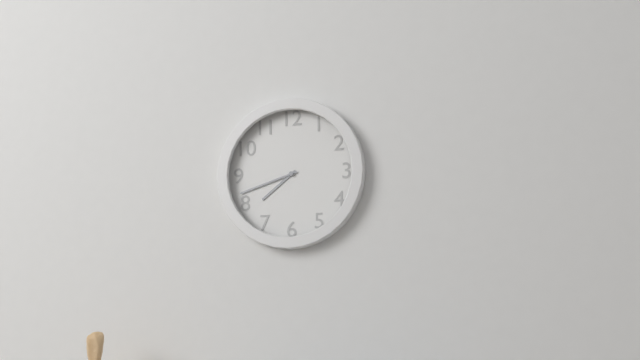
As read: 7h42
